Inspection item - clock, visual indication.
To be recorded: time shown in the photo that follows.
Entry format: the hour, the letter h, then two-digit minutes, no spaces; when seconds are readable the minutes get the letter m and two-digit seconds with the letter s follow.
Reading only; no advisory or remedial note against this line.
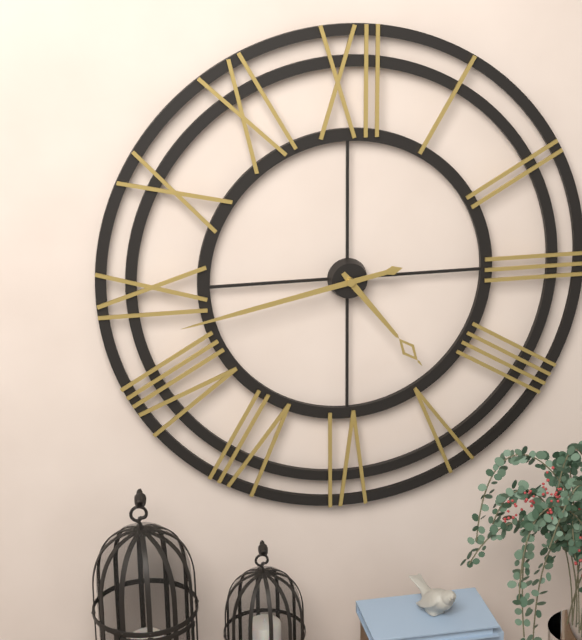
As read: 4h43
